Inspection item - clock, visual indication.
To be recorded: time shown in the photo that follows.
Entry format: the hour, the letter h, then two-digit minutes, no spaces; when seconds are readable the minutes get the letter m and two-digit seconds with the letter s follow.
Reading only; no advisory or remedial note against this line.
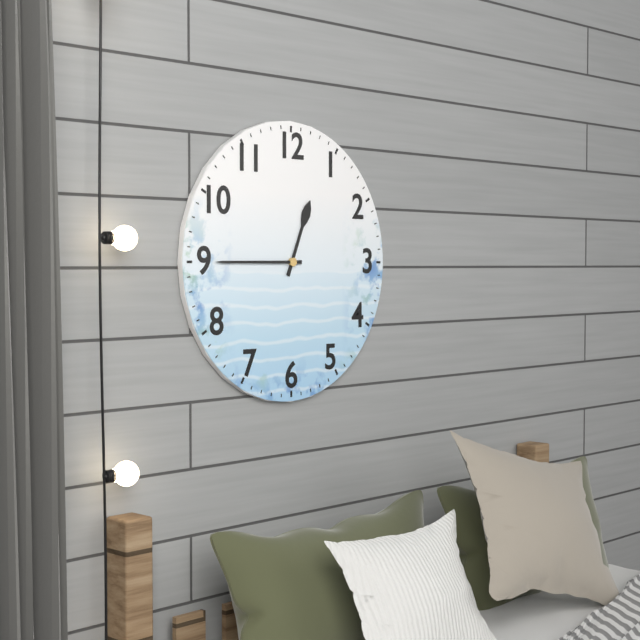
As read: 12h45
